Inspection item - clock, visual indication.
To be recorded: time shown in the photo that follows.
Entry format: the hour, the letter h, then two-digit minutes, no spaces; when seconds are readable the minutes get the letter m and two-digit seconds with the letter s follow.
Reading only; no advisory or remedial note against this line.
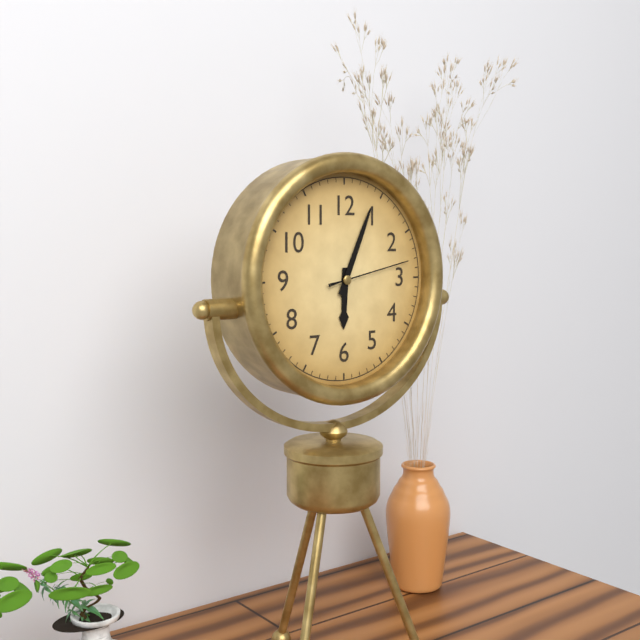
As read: 6h04m13s
